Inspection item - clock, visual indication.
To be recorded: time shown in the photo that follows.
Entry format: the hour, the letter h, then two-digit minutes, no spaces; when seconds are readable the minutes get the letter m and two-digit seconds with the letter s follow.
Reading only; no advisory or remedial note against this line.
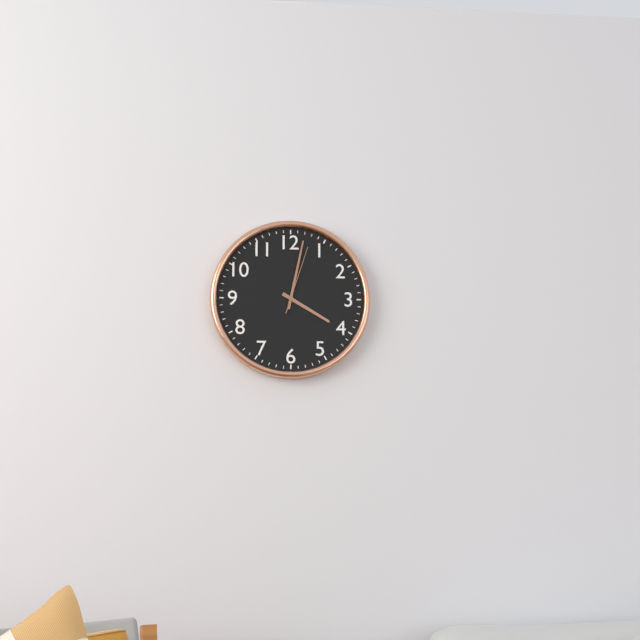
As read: 4h02m03s
